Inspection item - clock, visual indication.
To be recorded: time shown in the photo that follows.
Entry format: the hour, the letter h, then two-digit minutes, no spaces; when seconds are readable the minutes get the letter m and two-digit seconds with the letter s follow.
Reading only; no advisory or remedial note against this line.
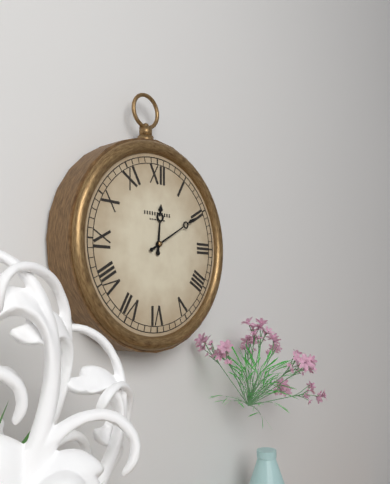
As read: 12h10
